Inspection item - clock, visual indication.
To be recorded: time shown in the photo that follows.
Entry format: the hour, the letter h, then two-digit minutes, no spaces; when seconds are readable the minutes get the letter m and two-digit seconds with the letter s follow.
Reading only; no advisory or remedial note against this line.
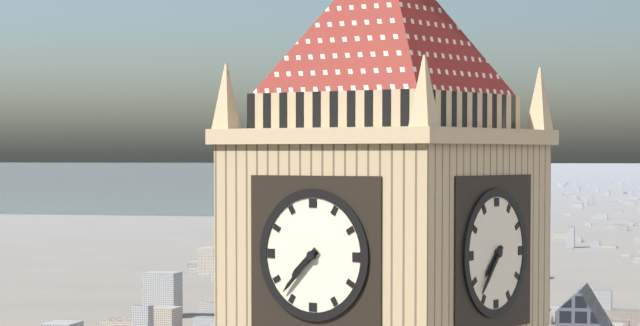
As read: 7h37
